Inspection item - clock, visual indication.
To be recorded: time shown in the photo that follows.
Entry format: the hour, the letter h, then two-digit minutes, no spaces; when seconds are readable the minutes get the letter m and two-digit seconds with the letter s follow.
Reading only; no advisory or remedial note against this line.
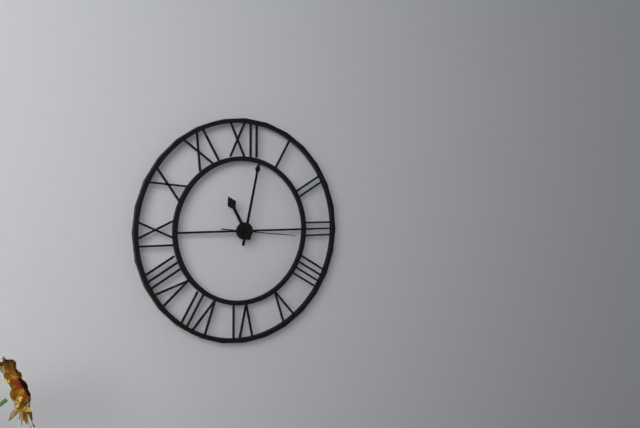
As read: 11h02m16s
